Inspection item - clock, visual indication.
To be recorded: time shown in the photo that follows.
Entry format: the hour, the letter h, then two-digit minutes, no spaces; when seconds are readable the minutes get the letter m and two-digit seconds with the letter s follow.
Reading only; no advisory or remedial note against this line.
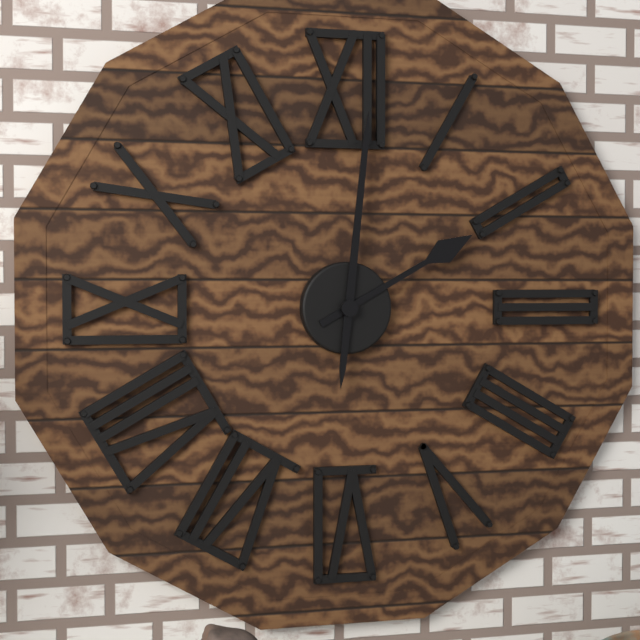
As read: 2h01
